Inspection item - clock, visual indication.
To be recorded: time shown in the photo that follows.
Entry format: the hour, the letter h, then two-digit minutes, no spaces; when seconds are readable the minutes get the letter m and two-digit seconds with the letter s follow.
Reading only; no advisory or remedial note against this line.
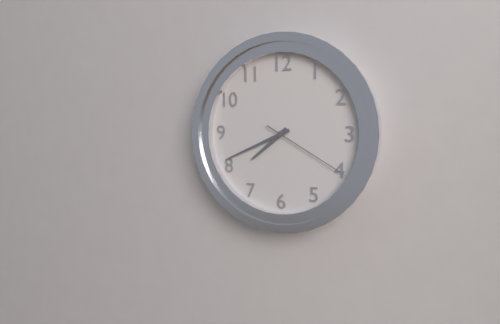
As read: 7h41m20s
